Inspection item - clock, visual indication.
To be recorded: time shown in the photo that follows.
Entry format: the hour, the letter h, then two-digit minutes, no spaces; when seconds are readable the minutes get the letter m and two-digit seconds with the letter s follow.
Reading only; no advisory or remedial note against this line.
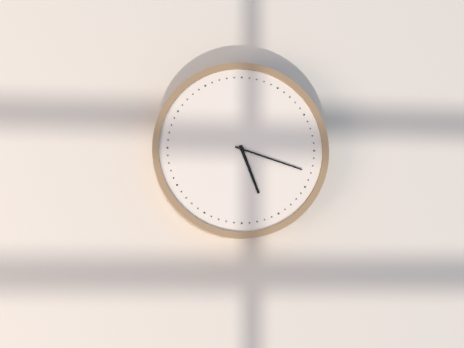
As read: 5h18
